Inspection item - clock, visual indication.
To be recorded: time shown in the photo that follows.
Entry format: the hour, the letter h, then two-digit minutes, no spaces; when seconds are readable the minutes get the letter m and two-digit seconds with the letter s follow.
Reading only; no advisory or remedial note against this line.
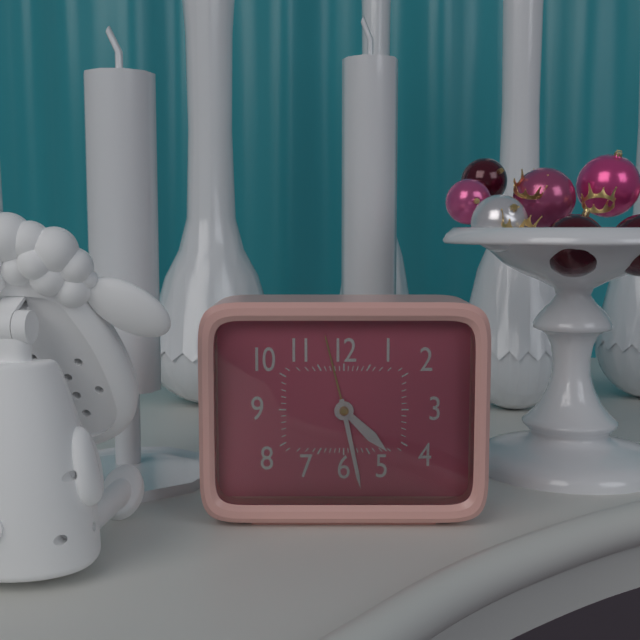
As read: 4h28
